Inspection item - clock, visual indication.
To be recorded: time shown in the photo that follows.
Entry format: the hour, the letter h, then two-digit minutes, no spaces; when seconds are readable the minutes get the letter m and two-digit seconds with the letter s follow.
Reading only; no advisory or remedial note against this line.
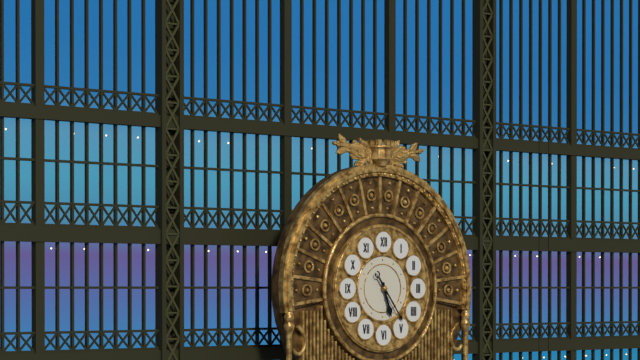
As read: 5h24
